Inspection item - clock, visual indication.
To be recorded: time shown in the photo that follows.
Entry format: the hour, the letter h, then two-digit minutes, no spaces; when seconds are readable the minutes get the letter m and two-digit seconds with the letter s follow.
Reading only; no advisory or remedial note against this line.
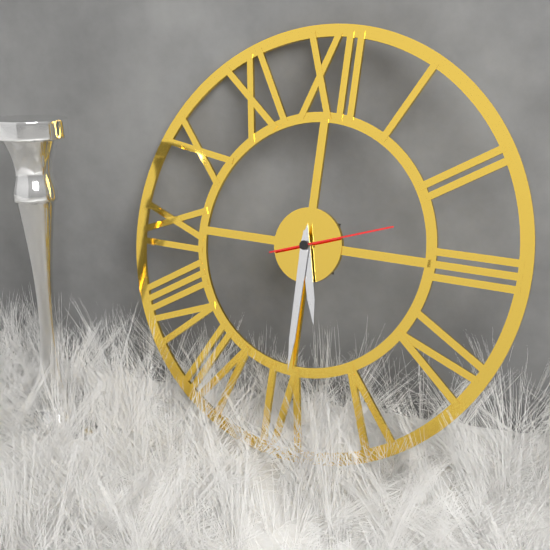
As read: 5h30m12s
